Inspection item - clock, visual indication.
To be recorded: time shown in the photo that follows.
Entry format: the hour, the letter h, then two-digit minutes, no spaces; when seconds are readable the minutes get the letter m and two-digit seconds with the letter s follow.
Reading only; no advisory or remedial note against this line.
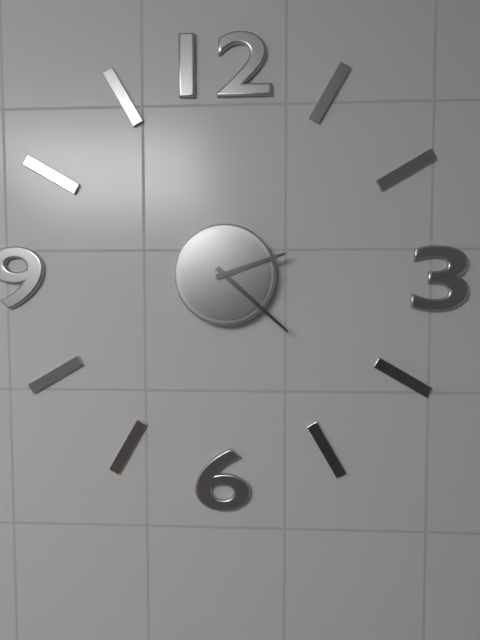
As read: 2h22
